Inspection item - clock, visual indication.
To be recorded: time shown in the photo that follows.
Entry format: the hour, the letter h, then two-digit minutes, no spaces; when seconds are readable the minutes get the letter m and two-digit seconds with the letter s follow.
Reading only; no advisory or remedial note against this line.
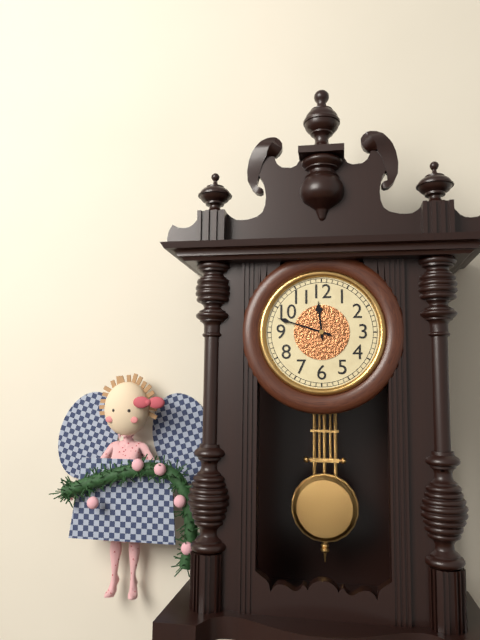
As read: 11h48
